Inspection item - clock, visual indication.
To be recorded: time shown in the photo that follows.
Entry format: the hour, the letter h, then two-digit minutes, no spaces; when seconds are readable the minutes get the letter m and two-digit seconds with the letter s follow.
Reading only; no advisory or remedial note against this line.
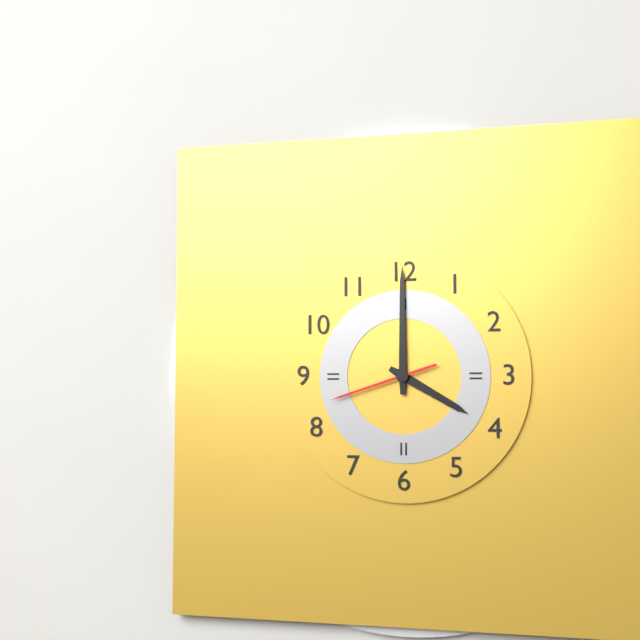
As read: 4h00m42s
